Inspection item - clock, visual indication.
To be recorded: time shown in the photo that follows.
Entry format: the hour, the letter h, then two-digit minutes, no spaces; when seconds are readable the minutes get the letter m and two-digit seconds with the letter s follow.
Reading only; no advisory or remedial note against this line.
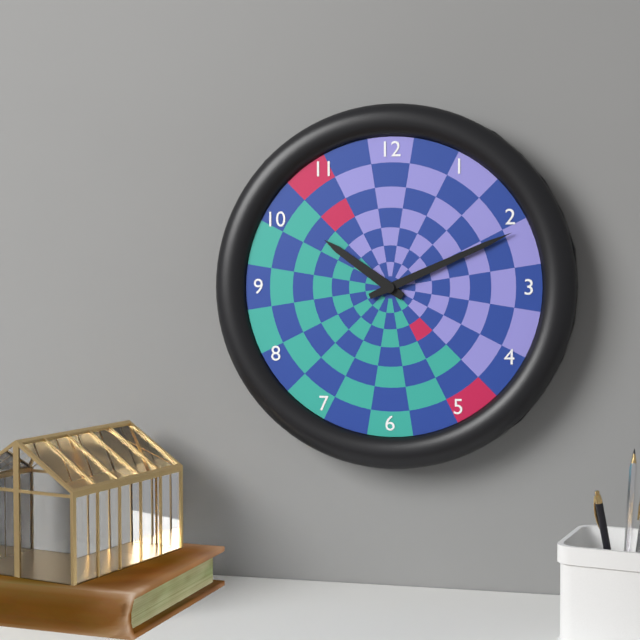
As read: 10h11
